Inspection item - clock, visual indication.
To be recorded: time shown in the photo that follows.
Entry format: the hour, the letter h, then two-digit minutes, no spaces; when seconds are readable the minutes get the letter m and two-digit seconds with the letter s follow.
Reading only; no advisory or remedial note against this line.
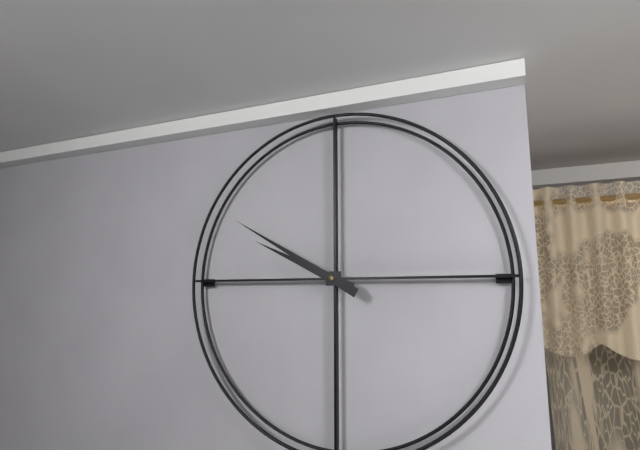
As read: 9h50
